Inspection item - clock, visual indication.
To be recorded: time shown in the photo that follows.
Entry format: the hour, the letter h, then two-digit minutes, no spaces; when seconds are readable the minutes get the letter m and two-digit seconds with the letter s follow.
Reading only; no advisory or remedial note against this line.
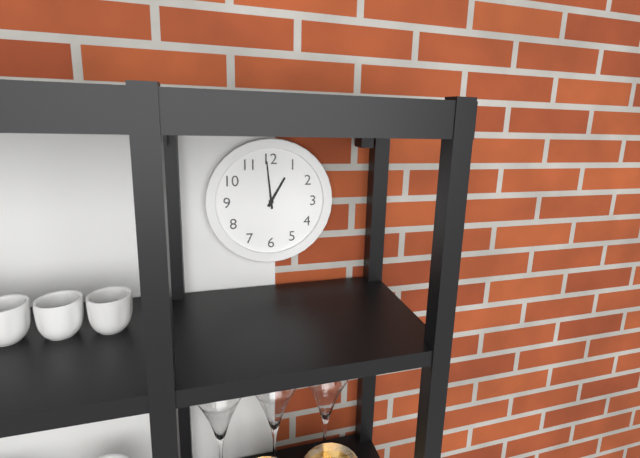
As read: 12h59
